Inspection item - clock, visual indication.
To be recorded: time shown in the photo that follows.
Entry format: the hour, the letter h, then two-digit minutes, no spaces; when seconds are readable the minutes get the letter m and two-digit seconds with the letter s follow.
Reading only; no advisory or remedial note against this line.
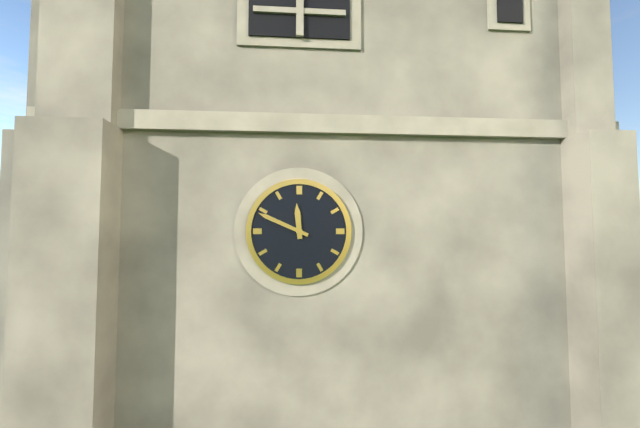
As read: 11h49
